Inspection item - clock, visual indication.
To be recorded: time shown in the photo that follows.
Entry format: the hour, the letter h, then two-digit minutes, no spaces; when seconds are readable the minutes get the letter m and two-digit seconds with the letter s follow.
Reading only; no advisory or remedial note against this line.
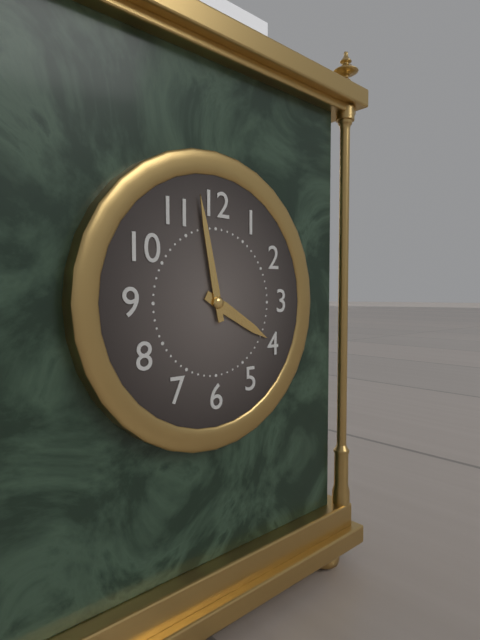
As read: 3h58
